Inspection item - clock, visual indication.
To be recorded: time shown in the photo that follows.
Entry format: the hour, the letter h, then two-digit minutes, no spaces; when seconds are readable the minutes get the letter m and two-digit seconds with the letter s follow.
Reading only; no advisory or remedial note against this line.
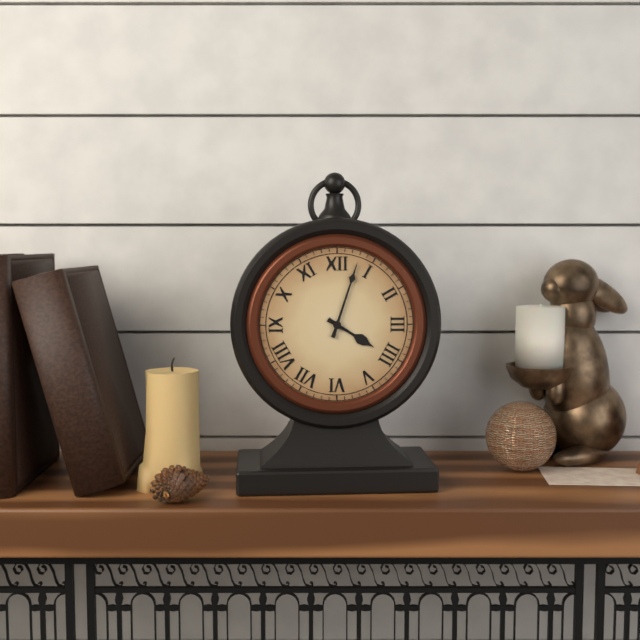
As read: 4h03
